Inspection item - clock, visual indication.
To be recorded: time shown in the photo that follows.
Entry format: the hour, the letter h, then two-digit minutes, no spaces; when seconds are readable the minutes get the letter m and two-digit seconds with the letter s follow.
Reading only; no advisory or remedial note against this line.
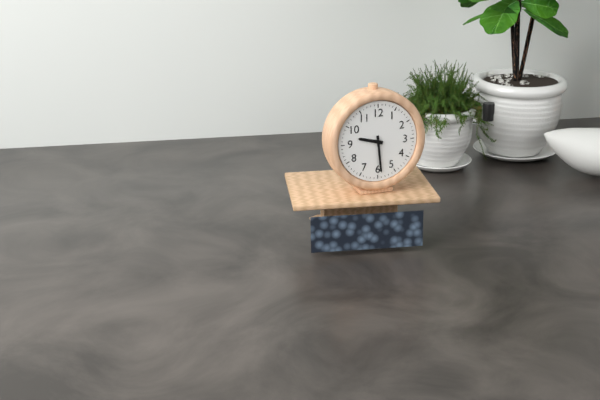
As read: 9h29
